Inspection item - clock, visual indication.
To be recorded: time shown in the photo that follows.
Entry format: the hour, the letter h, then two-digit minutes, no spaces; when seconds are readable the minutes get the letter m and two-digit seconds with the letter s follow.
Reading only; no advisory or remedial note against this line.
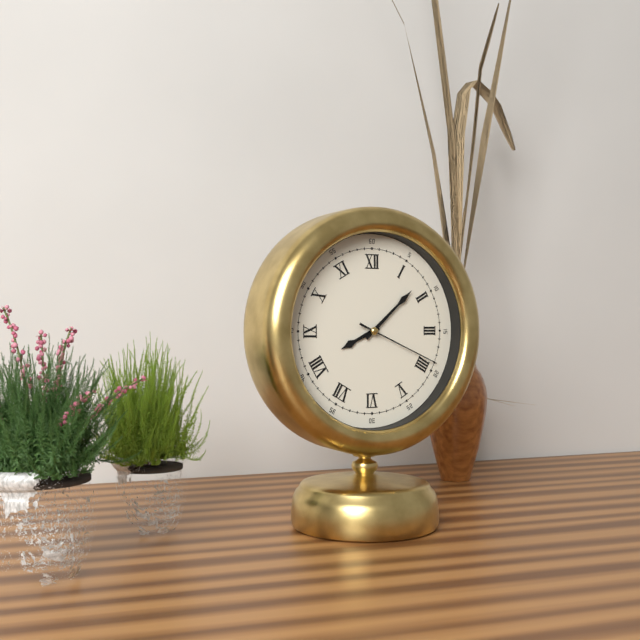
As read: 8h08m19s
